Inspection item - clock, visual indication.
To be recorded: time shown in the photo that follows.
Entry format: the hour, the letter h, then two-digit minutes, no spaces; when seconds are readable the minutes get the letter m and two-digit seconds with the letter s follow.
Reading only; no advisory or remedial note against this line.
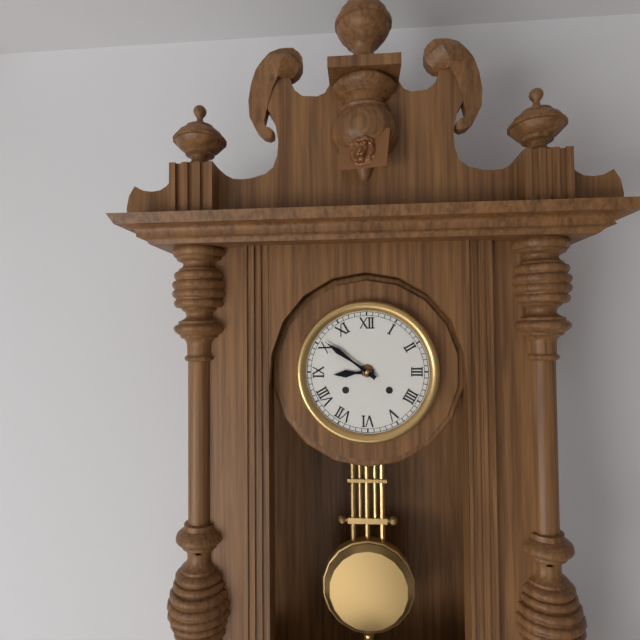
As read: 8h51
